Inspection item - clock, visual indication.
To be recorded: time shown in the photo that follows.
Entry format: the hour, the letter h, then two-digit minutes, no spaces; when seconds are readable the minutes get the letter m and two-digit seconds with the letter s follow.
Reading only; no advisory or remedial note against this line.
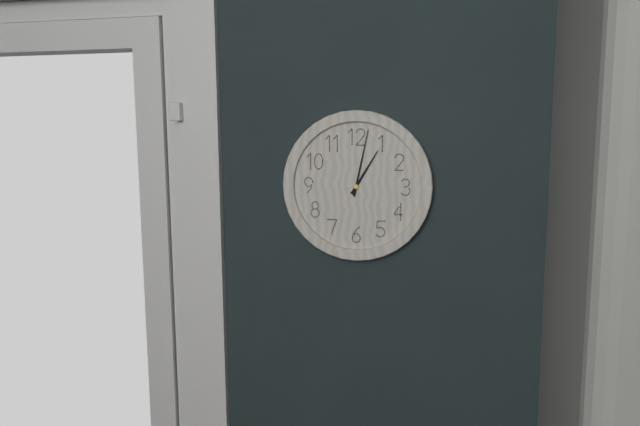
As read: 1h02
